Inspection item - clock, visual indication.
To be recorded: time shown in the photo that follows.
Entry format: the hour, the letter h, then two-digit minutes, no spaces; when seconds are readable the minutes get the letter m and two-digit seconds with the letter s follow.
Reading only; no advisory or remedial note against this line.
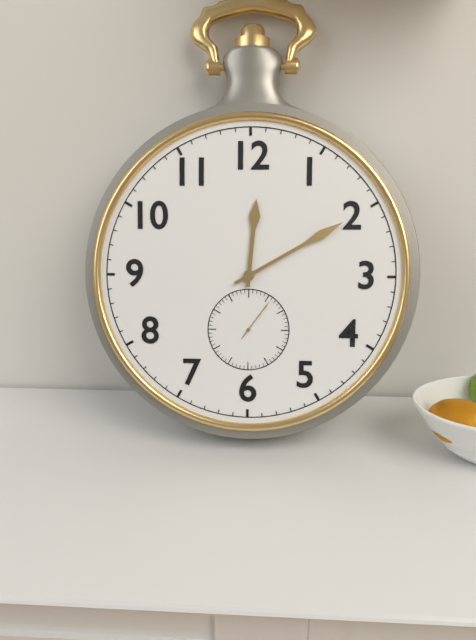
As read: 12h10
